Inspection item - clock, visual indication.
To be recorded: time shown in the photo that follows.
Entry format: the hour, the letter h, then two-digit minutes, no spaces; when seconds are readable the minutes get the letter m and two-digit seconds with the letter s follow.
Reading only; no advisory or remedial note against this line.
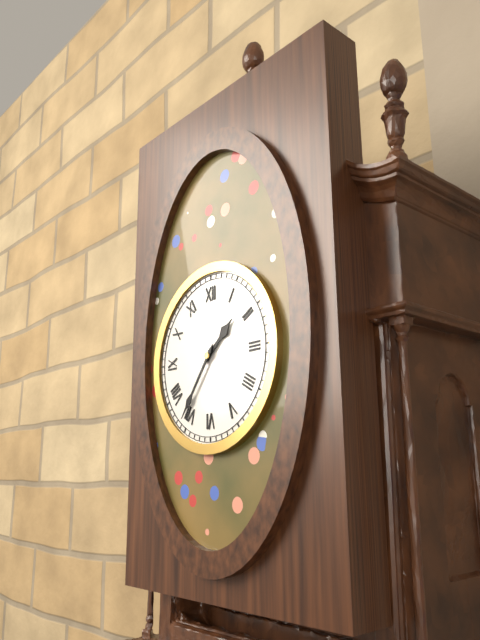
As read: 1h36
